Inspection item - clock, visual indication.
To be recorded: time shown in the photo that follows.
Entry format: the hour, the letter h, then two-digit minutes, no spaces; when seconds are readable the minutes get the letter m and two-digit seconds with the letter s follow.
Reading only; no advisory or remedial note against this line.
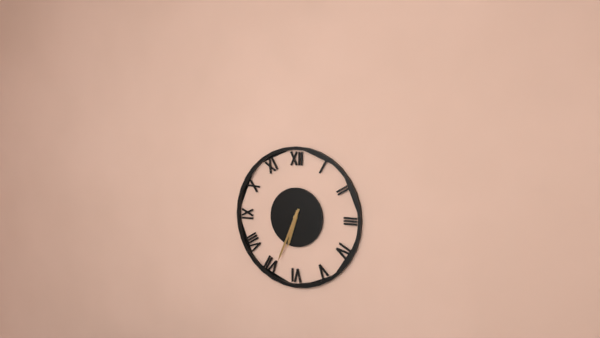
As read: 6h34
